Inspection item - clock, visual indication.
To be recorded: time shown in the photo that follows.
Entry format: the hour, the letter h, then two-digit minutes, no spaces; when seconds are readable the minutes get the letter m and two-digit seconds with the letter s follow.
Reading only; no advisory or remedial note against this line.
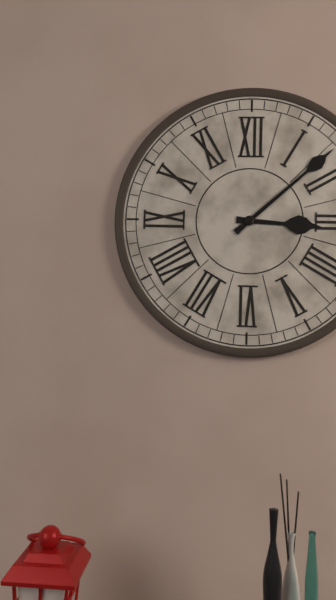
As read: 3h08
